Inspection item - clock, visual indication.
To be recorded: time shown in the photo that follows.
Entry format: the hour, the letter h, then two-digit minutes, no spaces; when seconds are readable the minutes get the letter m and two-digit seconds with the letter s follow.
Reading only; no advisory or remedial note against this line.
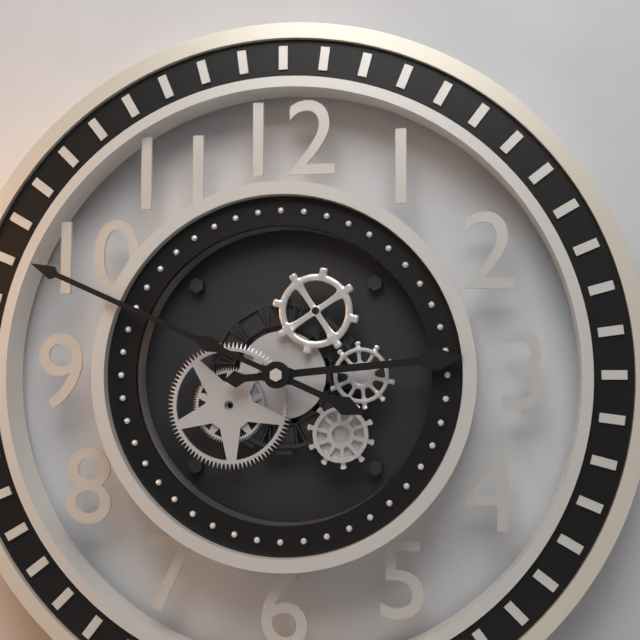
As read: 2h49
